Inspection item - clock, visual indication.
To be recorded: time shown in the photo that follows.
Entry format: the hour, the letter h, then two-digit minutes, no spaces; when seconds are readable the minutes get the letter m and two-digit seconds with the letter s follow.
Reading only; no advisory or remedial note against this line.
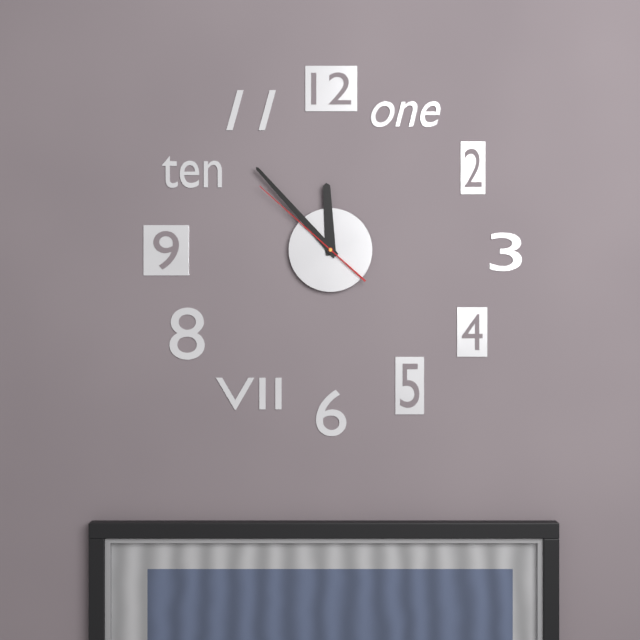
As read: 11h53m52s
